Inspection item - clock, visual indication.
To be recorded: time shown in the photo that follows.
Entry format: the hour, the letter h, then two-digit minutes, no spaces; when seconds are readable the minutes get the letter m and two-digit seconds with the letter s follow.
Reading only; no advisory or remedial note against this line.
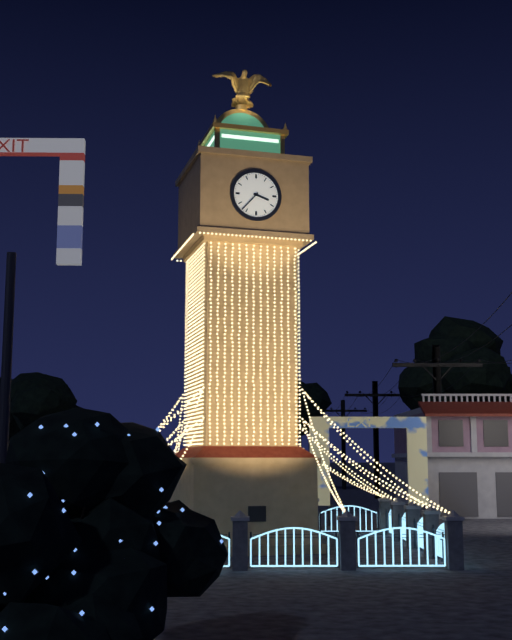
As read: 3h37
